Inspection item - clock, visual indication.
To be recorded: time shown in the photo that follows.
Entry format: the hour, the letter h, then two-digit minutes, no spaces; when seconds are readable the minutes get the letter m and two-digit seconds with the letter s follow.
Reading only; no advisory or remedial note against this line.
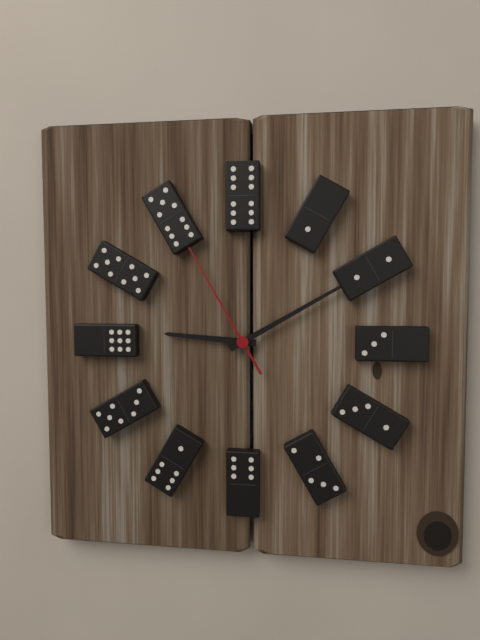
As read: 9h10m55s
